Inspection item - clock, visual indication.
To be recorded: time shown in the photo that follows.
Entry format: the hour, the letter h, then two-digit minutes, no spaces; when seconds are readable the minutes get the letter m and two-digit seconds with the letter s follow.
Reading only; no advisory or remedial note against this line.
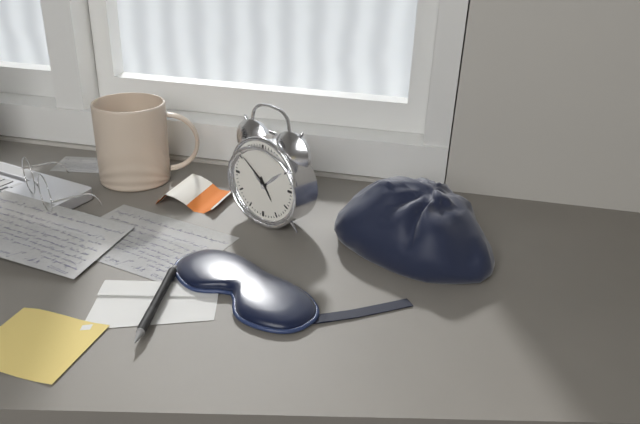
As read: 4h51
